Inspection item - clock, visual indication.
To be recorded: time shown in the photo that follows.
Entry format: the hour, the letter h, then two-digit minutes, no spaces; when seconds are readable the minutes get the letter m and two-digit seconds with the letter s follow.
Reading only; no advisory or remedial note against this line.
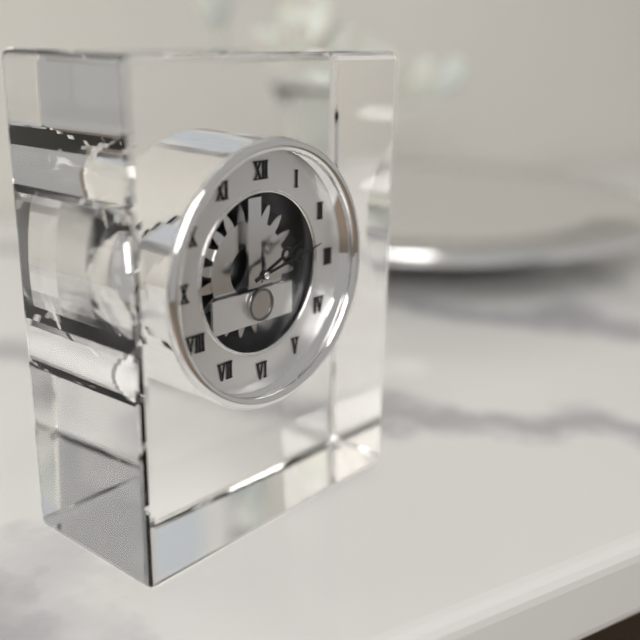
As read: 2h13
